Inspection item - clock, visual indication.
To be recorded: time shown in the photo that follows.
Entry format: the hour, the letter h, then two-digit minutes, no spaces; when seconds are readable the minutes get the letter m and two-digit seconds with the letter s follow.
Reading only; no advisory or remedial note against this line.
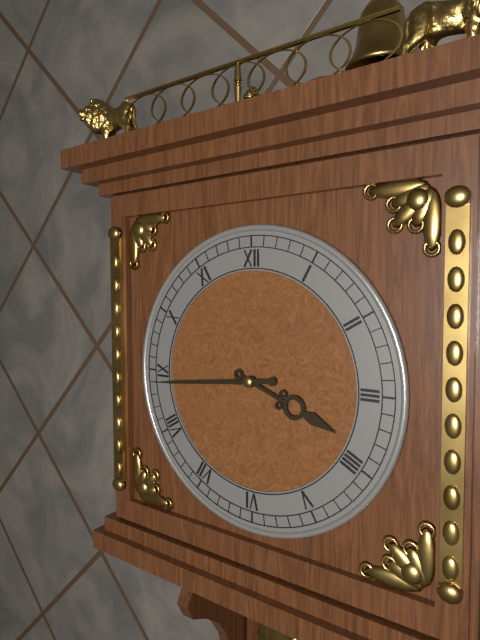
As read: 3h44
